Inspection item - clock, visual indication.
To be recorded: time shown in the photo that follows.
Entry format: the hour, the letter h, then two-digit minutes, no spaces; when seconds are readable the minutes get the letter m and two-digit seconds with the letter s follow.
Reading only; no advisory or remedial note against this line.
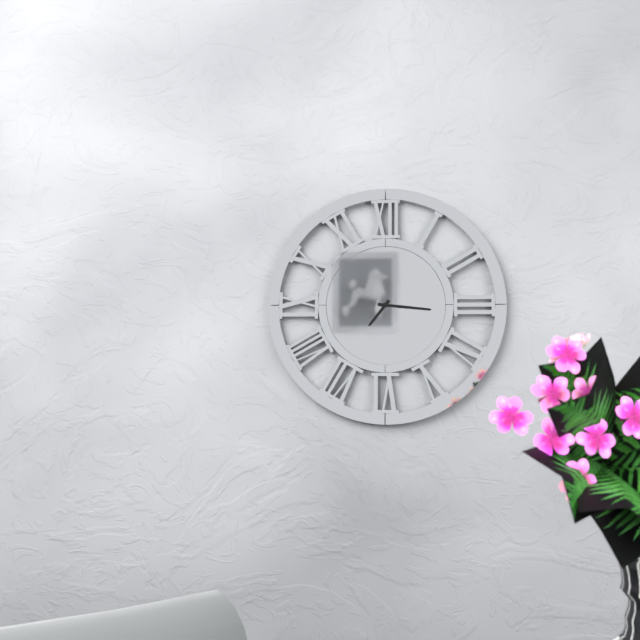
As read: 7h16
